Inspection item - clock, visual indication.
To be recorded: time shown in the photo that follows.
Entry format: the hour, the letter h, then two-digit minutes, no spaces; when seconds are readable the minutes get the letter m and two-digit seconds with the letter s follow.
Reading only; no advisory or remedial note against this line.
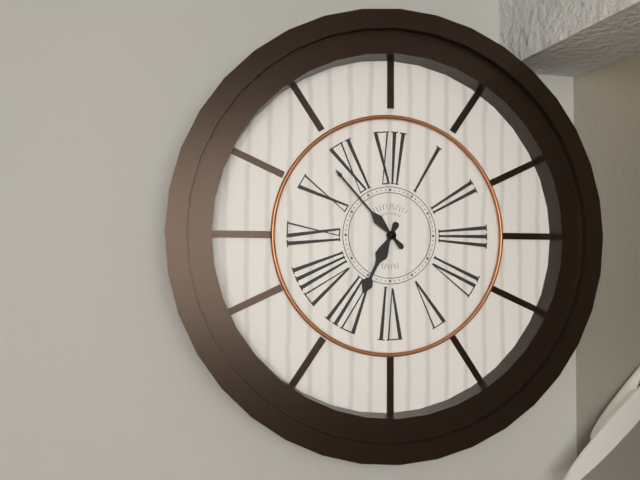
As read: 6h53
